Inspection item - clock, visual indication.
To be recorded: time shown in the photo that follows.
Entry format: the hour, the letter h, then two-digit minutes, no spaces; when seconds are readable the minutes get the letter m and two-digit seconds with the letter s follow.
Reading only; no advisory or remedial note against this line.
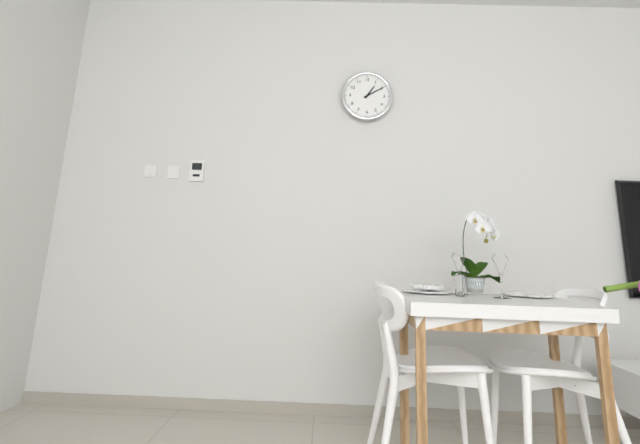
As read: 1h10
